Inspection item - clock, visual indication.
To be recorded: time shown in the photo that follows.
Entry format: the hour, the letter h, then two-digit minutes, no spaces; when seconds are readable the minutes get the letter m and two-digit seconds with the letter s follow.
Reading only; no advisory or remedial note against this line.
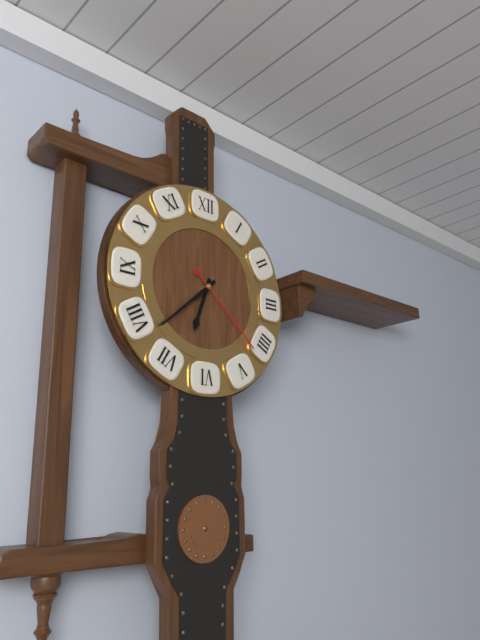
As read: 6h38m22s
